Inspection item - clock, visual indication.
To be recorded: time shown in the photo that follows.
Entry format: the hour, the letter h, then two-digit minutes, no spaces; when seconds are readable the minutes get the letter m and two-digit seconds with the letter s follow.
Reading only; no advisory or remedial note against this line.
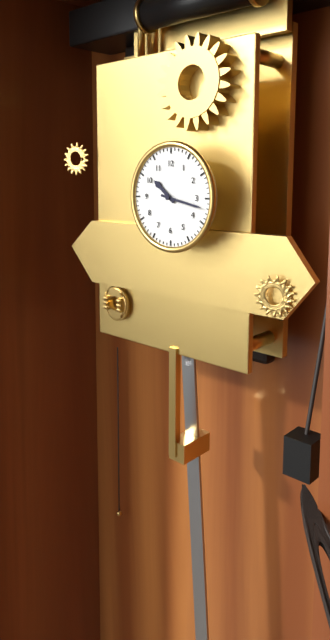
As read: 10h17
